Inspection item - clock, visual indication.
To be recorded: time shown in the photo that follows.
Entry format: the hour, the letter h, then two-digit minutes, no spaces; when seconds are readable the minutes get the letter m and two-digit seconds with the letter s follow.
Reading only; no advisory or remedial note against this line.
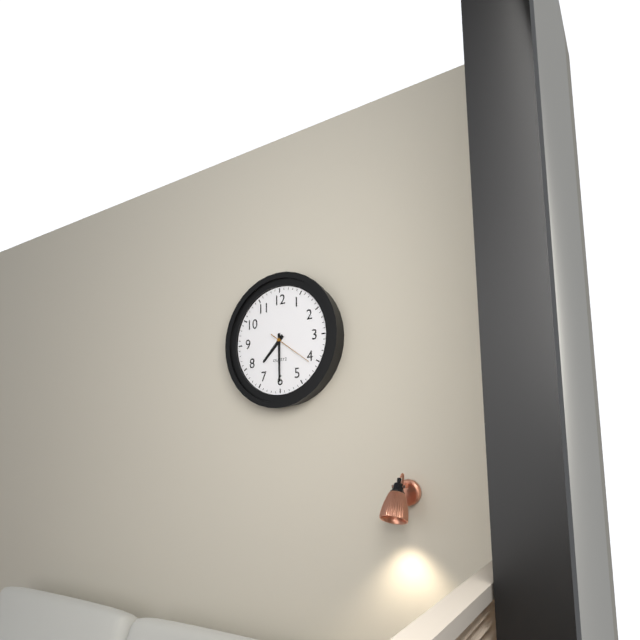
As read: 7h30
